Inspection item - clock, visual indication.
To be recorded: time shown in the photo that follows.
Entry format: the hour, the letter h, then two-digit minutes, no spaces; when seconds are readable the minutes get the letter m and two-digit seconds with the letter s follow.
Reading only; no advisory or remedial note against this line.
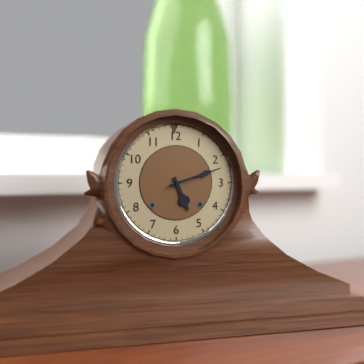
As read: 5h12
